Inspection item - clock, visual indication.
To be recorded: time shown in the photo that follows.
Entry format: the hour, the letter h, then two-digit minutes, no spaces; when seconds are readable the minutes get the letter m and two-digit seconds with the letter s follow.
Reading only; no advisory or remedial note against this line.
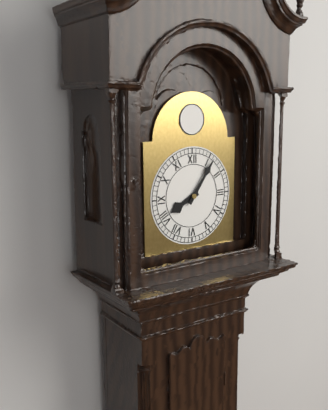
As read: 8h06
